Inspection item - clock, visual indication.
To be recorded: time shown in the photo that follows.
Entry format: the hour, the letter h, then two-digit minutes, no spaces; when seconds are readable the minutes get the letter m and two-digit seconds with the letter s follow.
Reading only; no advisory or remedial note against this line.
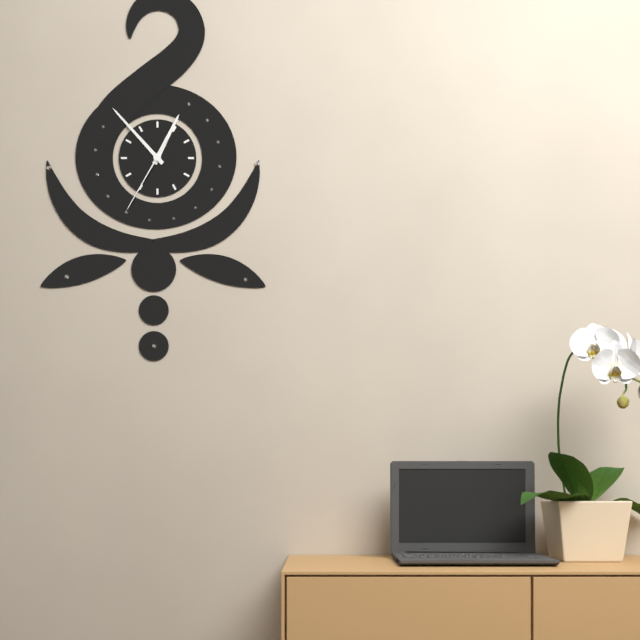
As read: 12h53m35s
